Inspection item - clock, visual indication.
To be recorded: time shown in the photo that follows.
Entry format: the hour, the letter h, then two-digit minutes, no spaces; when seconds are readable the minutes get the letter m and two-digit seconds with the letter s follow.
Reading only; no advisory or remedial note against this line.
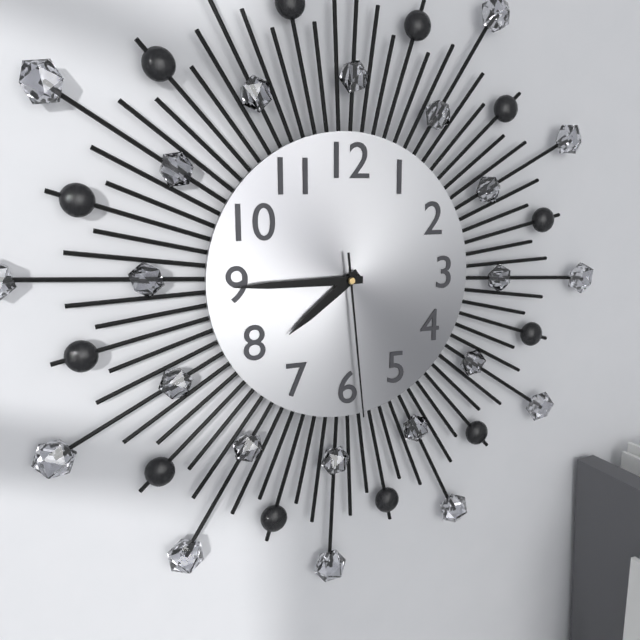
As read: 7h45m29s
